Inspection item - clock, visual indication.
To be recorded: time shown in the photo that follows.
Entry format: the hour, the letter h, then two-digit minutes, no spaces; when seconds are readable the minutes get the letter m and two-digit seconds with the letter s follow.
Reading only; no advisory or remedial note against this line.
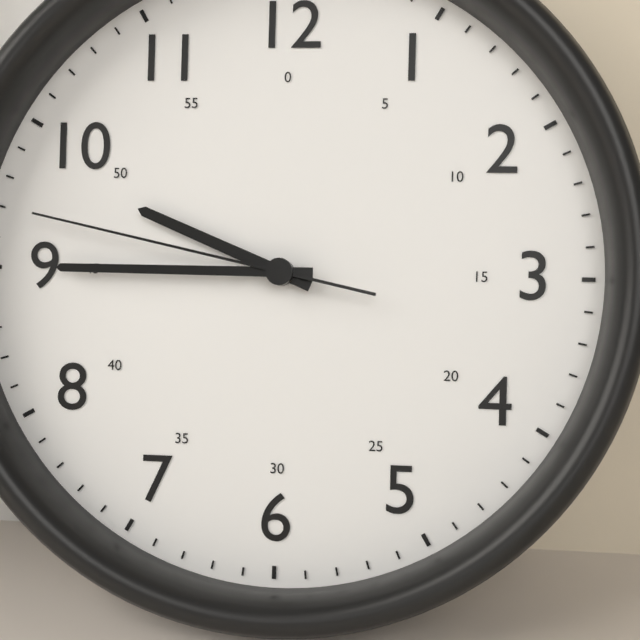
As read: 9h45m47s
